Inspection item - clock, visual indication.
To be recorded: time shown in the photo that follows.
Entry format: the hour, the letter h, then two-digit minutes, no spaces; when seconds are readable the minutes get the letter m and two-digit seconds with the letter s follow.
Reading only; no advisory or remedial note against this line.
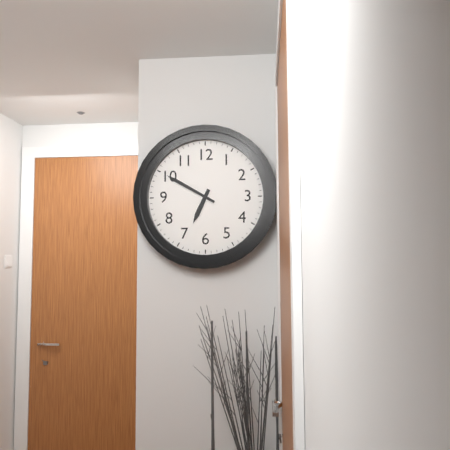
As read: 6h50
